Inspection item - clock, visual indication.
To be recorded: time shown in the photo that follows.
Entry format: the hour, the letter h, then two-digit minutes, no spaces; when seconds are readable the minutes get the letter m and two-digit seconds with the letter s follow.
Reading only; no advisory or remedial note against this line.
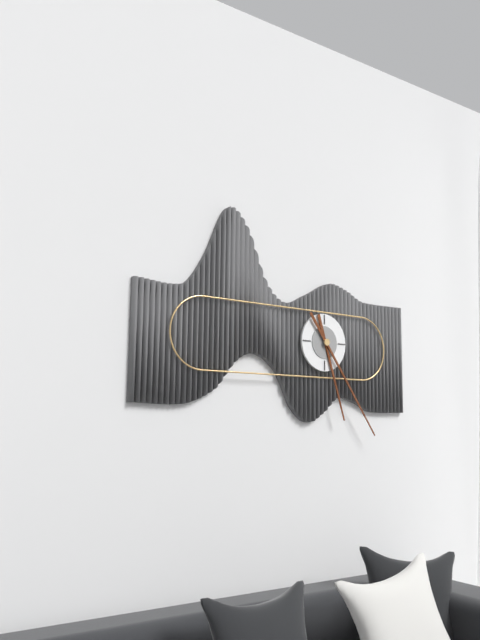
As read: 5h24
